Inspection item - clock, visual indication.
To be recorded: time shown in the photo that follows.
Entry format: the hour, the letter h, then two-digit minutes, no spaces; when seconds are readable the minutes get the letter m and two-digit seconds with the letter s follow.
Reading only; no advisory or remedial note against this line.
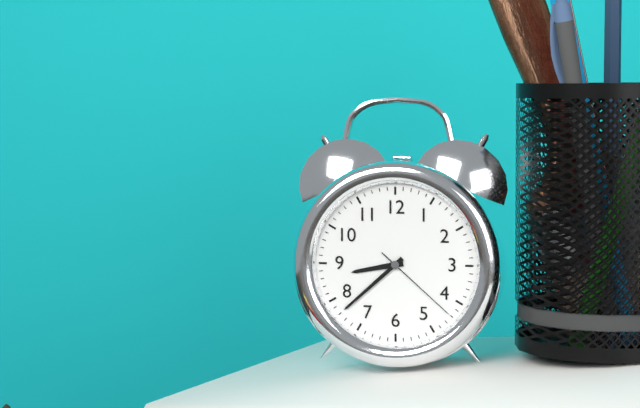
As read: 8h38m22s
